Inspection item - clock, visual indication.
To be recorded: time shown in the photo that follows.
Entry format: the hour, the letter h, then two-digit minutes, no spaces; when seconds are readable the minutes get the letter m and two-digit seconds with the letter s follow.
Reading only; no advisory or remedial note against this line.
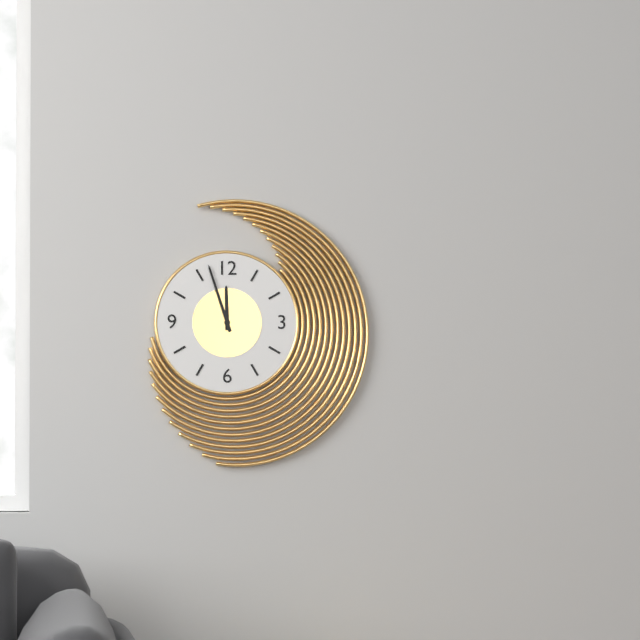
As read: 11h57
